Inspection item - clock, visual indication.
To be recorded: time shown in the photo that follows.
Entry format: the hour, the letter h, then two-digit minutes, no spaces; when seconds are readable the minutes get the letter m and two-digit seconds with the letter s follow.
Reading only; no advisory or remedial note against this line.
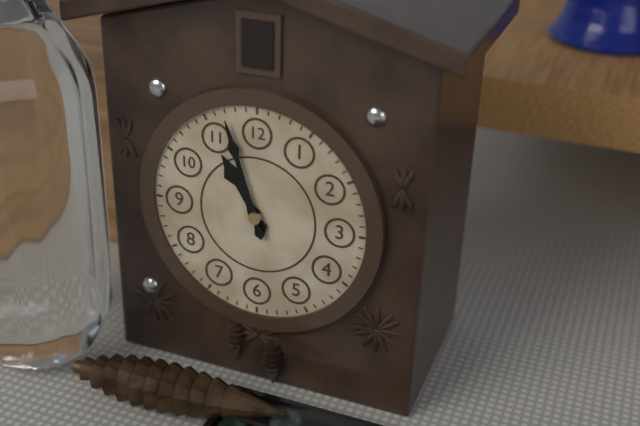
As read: 10h57
